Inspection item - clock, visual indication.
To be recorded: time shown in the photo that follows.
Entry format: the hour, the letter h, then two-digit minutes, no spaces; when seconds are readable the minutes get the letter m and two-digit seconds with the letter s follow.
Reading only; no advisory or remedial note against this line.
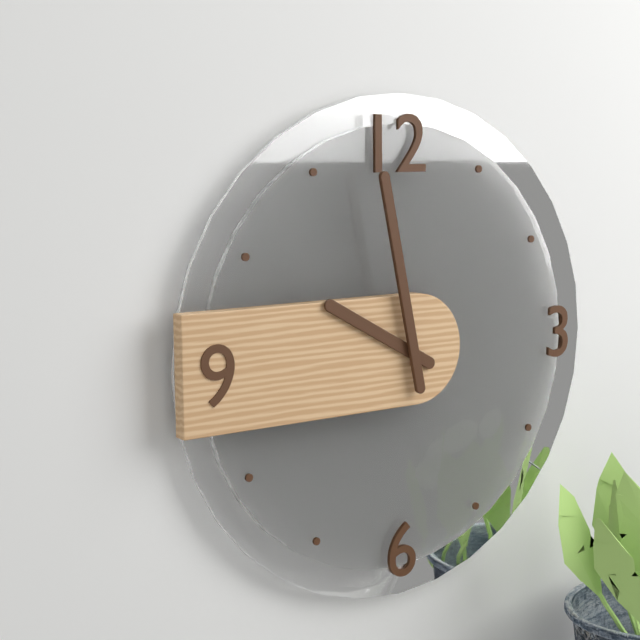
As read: 9h58
